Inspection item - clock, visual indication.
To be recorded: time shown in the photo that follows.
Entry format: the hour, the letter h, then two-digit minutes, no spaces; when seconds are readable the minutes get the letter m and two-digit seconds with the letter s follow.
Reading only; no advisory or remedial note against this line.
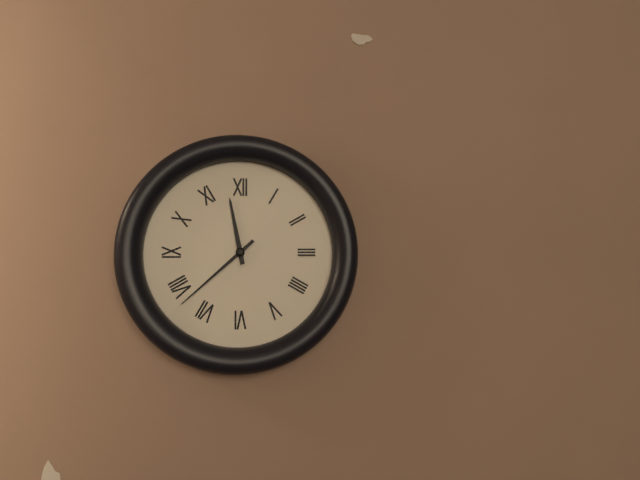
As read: 11h38
